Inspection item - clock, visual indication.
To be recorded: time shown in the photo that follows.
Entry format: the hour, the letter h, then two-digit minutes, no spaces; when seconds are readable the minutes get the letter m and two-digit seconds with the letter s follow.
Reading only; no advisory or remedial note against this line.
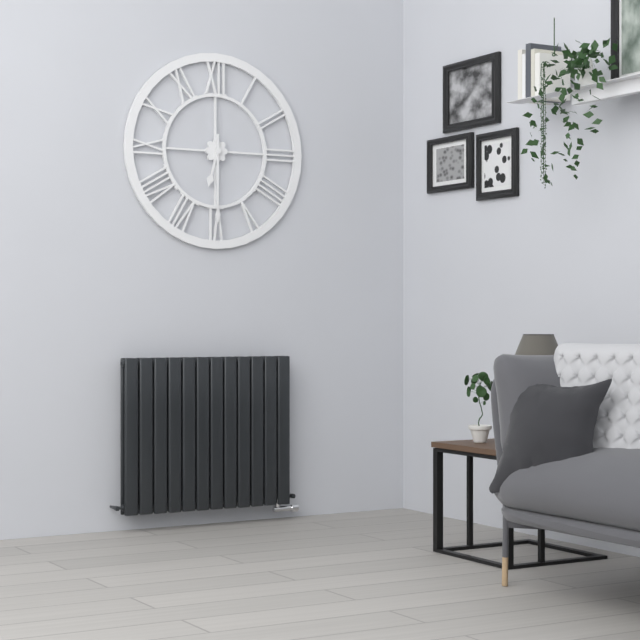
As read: 6h30
